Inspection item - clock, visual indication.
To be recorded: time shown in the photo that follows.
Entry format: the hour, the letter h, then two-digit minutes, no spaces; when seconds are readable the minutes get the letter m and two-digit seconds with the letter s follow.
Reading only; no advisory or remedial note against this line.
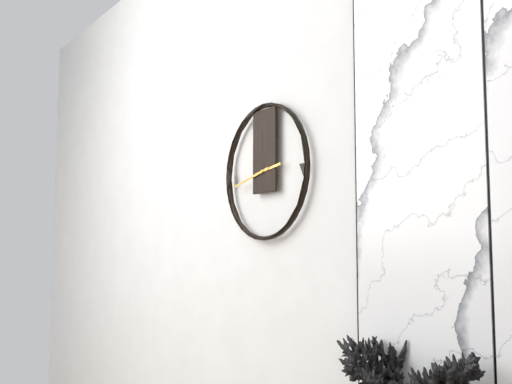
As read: 2h43
